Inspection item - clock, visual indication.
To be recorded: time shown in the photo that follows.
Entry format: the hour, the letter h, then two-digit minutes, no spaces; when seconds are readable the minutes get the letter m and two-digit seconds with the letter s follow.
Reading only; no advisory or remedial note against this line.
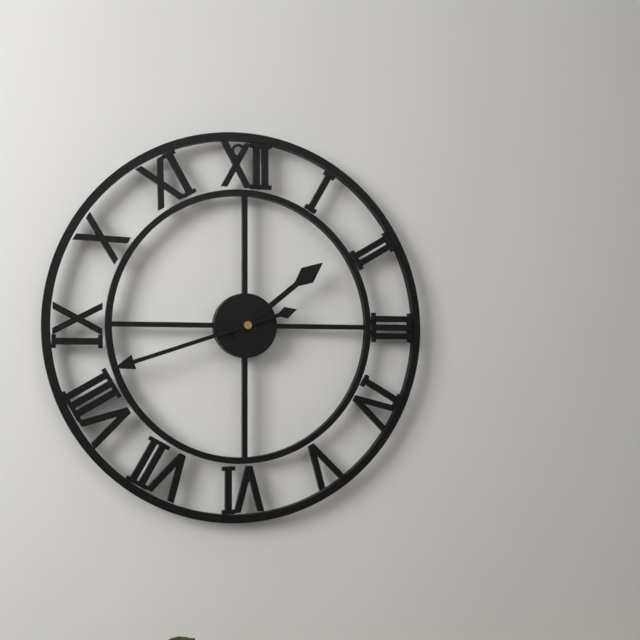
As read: 1h42
